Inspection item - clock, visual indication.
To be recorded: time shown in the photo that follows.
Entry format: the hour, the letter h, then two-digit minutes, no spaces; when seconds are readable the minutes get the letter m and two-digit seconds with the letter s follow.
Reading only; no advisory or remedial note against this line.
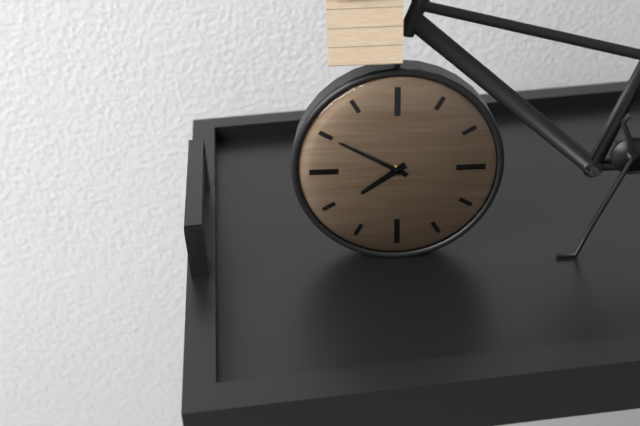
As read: 7h50
